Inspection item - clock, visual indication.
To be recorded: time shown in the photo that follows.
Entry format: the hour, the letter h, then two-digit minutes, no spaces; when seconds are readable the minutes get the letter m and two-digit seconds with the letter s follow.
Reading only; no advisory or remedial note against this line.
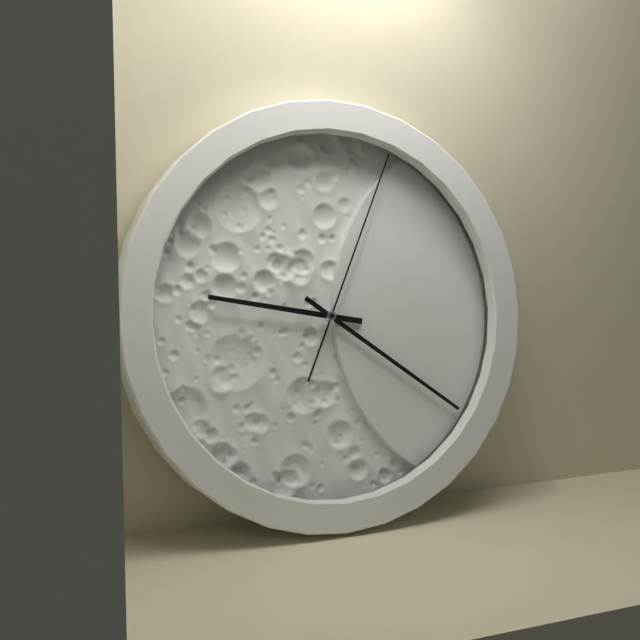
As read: 9h21m04s
